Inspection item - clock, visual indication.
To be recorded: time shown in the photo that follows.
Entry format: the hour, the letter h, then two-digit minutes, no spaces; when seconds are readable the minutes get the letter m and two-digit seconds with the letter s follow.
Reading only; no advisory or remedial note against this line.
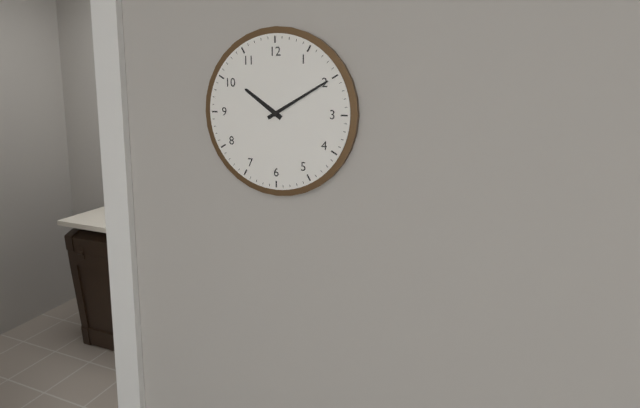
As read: 10h10
